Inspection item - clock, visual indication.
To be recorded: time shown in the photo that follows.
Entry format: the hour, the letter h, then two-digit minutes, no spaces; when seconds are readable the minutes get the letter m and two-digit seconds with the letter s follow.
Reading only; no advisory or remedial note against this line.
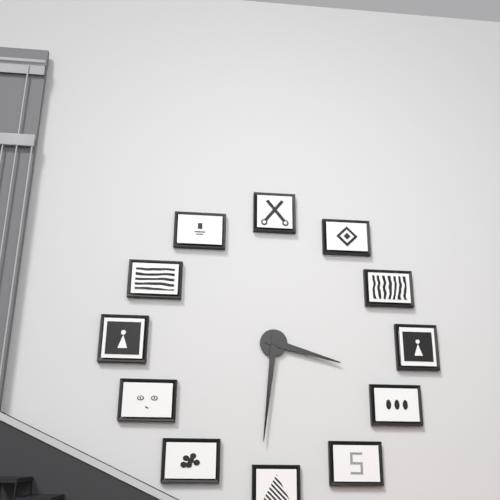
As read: 3h31
